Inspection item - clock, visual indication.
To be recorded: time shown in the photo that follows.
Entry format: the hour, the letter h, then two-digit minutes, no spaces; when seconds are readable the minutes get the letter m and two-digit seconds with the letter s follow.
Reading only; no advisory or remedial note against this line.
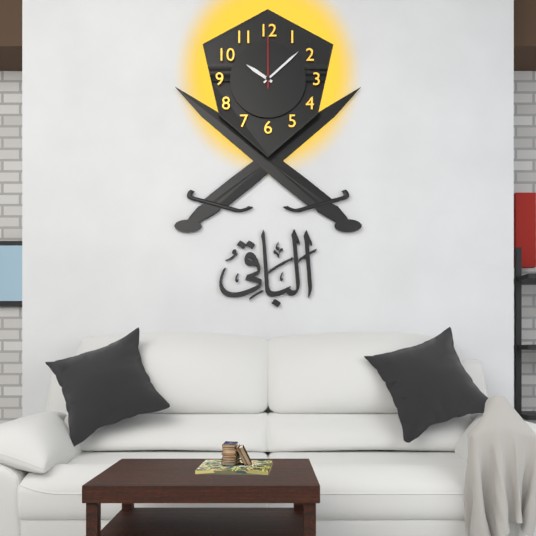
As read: 10h08m00s
